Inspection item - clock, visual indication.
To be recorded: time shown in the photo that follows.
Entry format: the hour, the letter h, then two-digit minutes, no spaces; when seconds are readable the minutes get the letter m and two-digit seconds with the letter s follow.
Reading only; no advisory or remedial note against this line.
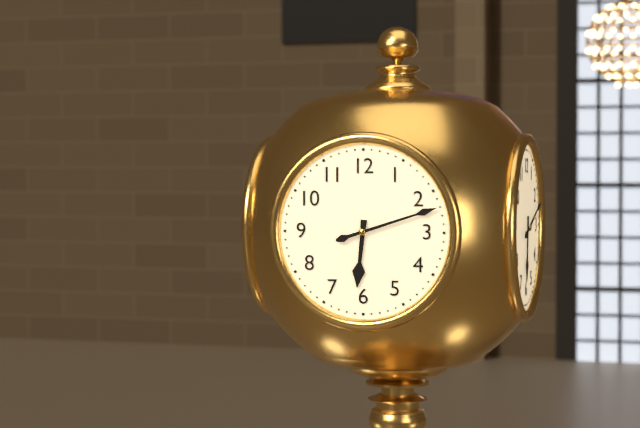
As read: 6h12
